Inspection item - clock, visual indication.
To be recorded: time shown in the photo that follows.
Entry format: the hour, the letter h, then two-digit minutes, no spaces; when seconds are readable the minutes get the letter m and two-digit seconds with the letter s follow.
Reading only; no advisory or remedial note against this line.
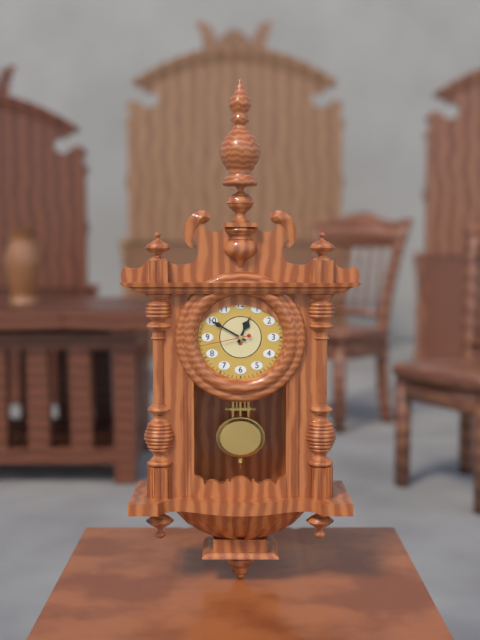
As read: 12h50m43s
